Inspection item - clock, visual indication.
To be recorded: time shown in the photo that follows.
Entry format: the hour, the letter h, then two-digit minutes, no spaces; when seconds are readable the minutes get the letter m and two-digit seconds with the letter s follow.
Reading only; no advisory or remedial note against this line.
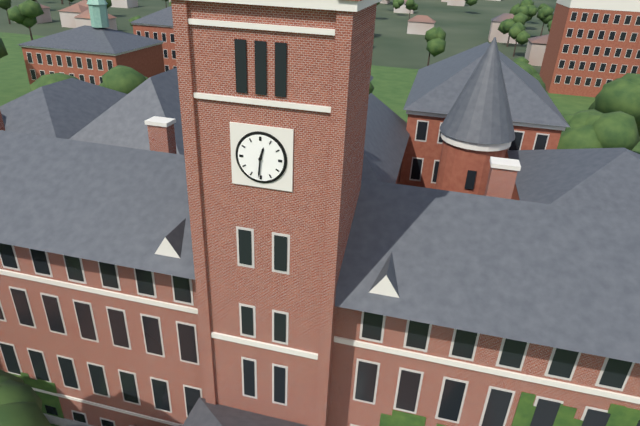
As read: 12h31
